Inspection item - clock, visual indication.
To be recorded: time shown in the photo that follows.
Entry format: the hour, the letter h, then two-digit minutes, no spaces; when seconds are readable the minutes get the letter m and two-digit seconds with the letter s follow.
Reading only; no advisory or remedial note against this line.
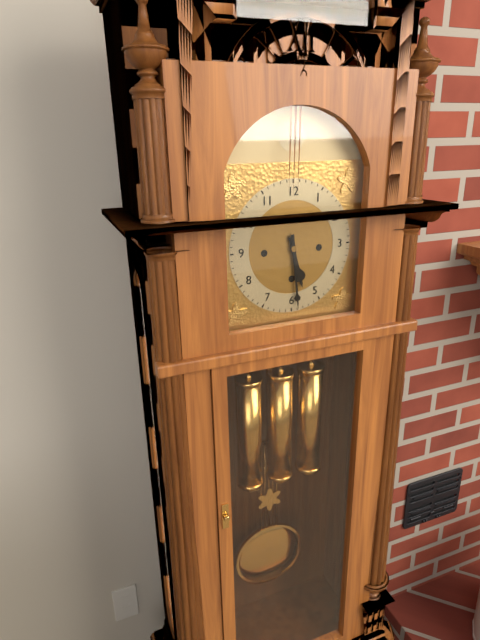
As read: 5h29
